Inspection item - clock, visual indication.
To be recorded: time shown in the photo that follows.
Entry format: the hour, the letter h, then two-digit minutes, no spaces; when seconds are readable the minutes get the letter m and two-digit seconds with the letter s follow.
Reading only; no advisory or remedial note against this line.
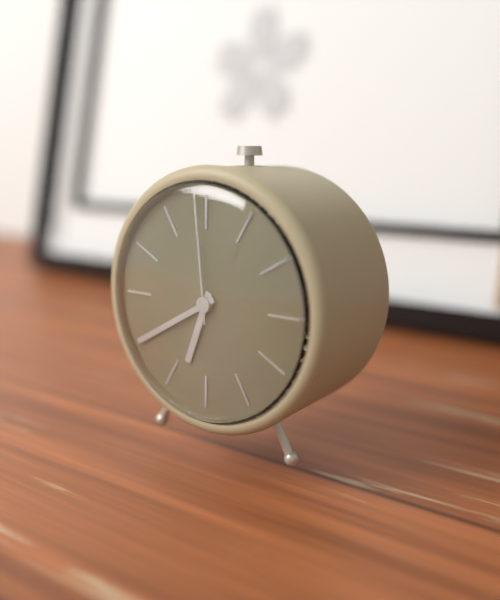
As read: 6h40m59s
